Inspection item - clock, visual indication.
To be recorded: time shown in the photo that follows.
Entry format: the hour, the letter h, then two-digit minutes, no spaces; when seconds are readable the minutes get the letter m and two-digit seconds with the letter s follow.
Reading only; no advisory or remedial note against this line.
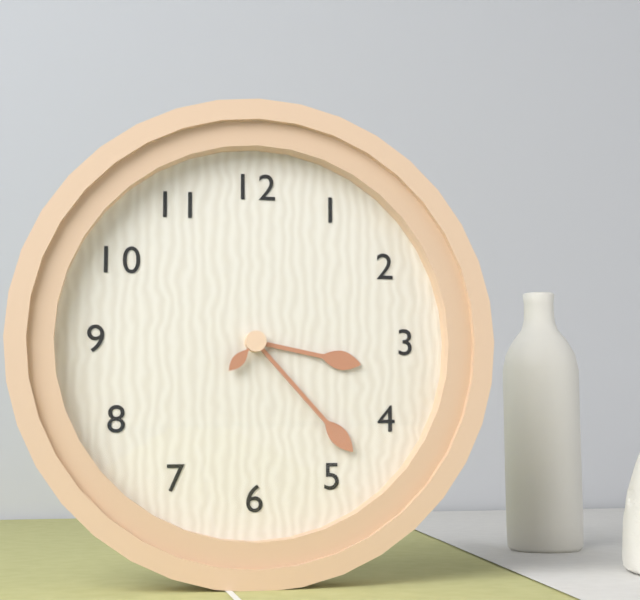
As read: 3h23
